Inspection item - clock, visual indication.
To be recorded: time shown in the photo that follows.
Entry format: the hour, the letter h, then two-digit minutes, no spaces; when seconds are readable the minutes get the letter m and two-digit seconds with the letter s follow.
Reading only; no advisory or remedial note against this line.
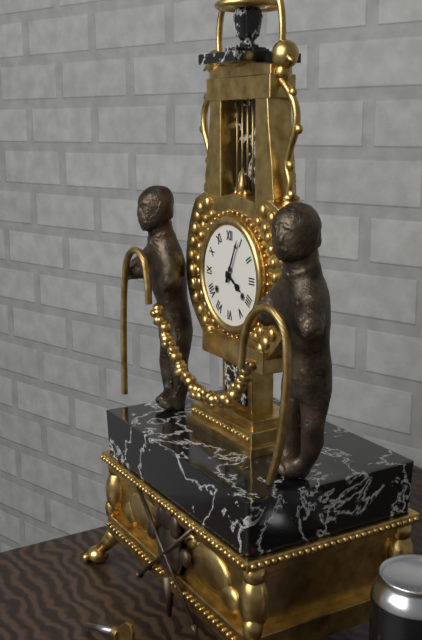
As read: 4h04
